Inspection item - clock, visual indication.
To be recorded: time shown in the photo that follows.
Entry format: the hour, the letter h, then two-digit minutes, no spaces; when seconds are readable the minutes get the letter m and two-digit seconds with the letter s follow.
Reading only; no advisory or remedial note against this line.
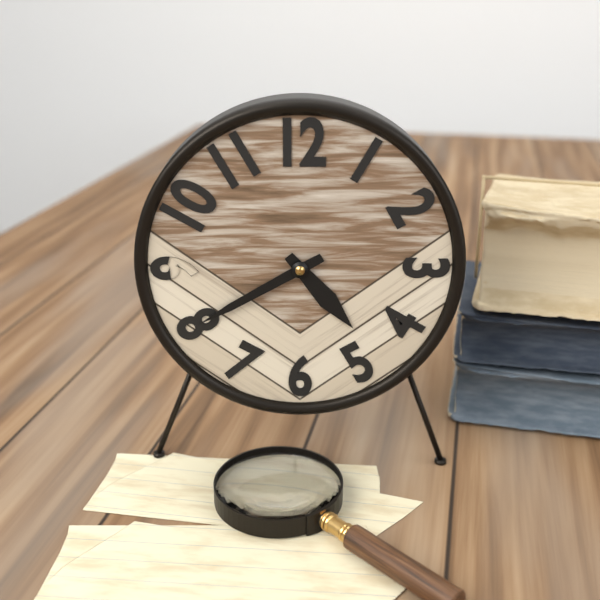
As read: 4h40
